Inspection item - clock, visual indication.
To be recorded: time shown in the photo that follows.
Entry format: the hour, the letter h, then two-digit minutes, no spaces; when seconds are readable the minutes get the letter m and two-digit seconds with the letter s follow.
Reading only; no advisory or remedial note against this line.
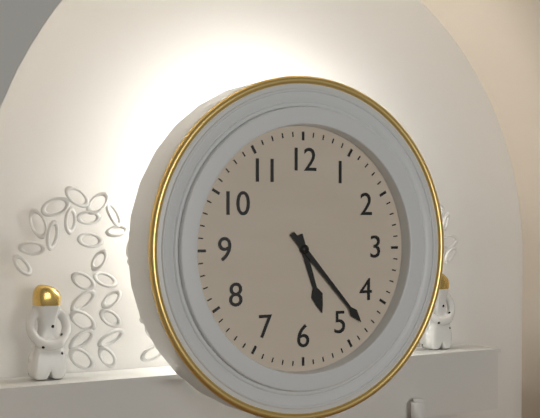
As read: 5h23
